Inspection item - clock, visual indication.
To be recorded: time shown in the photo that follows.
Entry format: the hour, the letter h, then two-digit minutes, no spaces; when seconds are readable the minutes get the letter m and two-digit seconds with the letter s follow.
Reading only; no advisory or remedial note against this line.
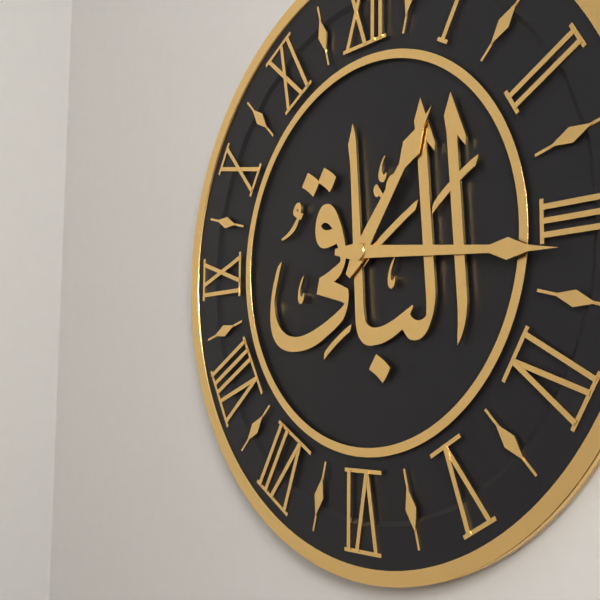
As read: 1h16
